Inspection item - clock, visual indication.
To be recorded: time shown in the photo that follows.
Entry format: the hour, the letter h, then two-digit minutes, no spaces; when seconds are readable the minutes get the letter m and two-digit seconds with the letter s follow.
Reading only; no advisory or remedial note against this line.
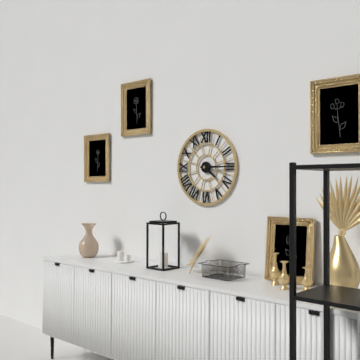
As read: 4h15
